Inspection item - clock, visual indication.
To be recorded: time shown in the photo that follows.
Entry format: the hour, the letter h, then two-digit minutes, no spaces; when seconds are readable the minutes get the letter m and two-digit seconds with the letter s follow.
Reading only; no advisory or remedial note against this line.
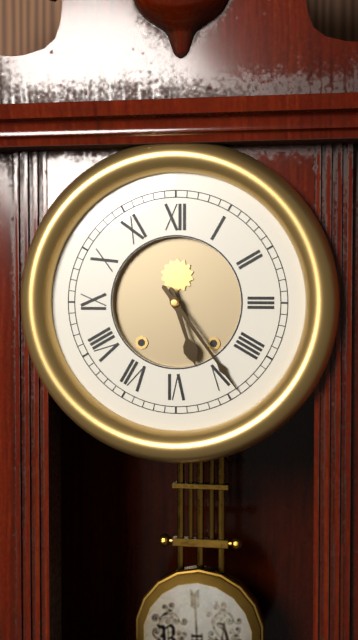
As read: 5h24
